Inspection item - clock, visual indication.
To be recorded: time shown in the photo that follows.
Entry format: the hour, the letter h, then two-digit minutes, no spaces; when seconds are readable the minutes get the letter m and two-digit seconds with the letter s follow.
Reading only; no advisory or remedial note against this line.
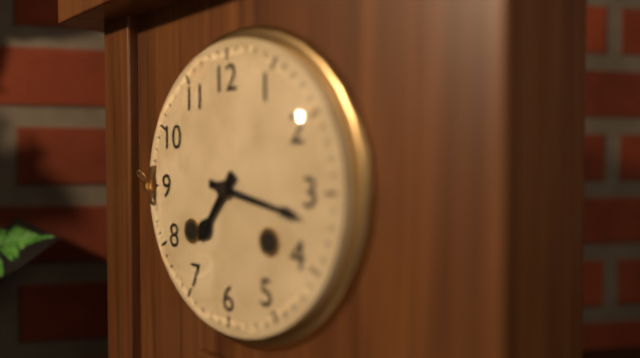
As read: 7h17
